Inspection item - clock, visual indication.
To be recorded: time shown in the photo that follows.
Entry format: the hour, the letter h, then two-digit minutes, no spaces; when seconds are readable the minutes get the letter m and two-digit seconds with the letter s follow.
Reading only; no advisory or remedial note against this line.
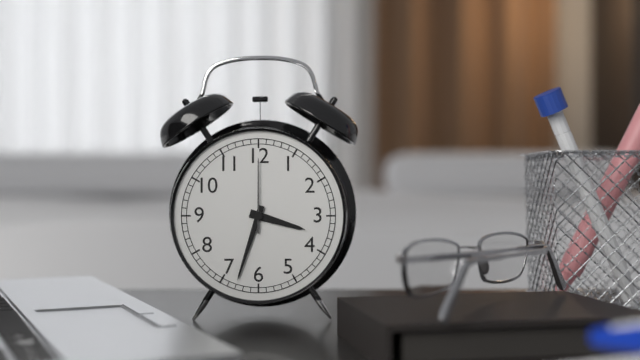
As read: 3h33m00s
